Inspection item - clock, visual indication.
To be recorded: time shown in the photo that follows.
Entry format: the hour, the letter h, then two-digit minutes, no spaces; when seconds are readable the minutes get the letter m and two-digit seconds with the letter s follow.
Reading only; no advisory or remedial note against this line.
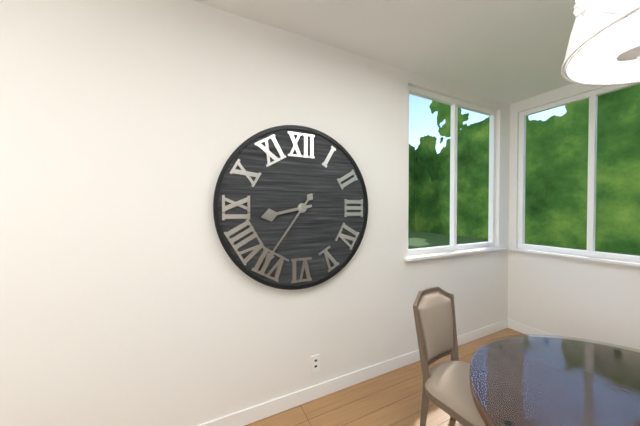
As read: 8h36
